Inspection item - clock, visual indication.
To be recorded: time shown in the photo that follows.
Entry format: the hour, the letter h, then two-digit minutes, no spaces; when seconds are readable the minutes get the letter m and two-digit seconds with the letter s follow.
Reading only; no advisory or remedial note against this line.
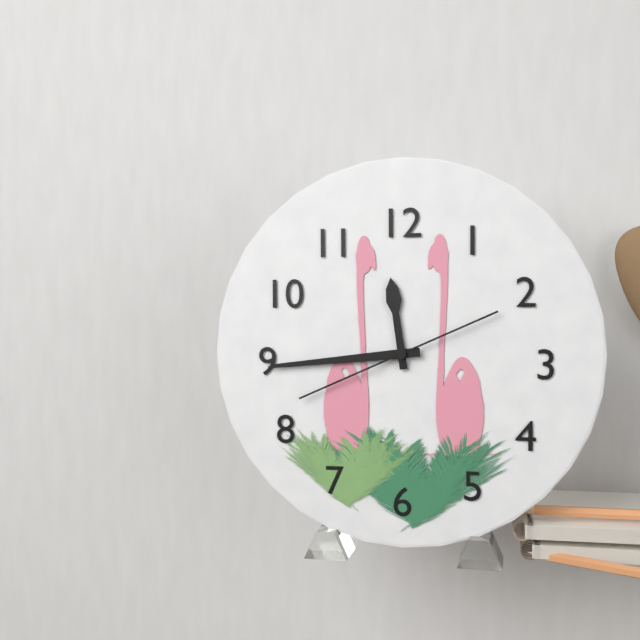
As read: 11h44m41s
